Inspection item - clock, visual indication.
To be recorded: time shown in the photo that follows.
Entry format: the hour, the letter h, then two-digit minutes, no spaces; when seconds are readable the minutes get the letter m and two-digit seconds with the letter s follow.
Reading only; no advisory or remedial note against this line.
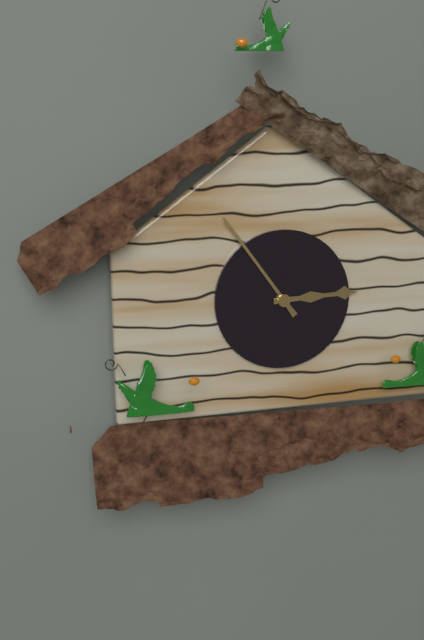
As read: 2h54
